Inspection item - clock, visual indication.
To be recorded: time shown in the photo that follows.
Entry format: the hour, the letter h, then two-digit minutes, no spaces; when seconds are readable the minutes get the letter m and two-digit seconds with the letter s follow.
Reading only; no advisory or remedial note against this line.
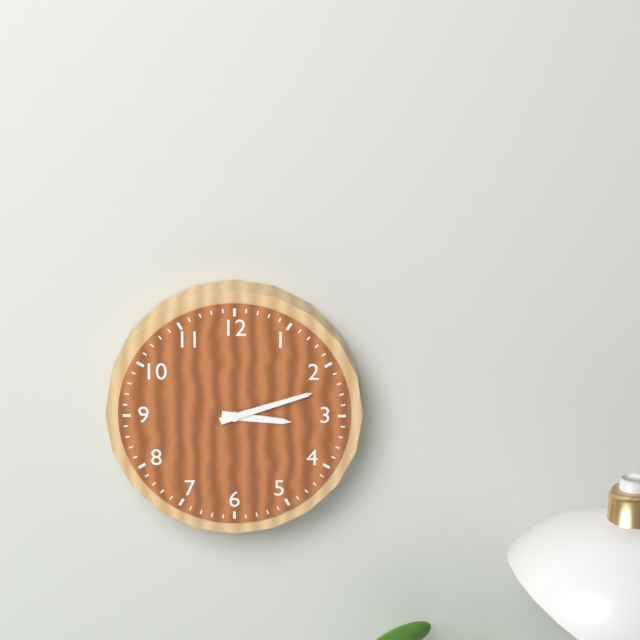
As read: 3h12
